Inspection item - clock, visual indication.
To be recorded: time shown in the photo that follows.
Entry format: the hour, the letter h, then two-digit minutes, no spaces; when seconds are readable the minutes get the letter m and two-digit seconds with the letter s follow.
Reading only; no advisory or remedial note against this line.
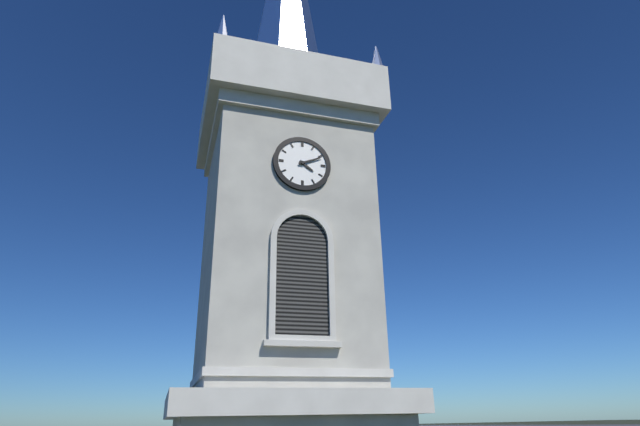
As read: 4h11
